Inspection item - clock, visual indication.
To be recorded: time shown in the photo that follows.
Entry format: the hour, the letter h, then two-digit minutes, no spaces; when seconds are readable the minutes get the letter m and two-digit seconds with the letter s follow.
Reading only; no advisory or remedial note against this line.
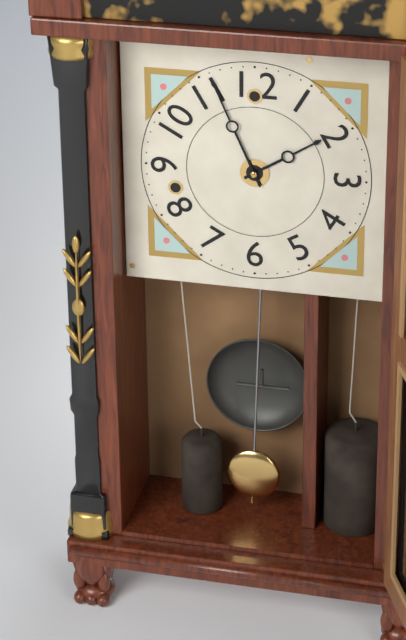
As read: 1h56
